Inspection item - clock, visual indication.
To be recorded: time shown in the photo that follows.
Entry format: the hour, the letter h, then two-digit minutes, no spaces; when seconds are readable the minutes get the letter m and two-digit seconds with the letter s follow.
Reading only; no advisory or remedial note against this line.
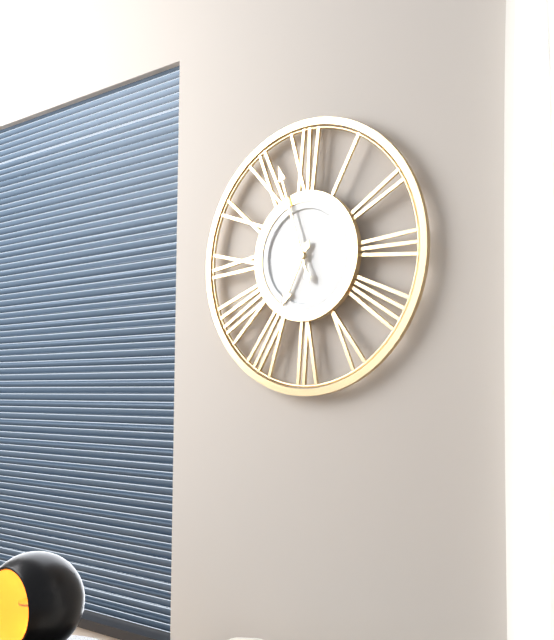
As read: 6h57
